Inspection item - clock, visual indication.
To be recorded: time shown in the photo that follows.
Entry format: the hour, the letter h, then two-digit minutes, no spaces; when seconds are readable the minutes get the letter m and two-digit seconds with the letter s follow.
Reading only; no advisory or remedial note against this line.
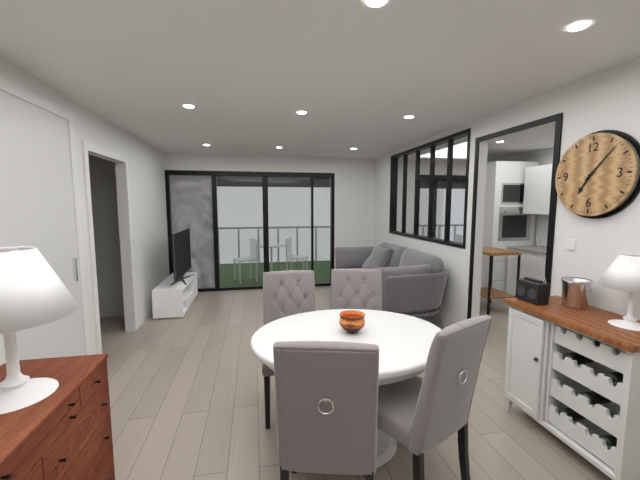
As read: 7h07
